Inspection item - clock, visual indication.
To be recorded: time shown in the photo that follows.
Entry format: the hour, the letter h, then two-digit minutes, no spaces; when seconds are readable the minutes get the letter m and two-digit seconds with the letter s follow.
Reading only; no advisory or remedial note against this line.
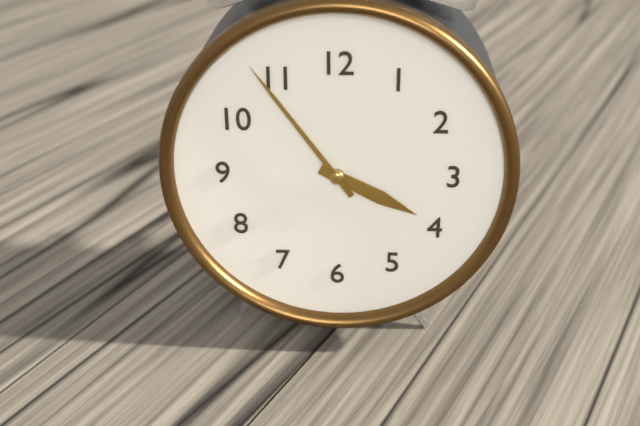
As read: 3h54
